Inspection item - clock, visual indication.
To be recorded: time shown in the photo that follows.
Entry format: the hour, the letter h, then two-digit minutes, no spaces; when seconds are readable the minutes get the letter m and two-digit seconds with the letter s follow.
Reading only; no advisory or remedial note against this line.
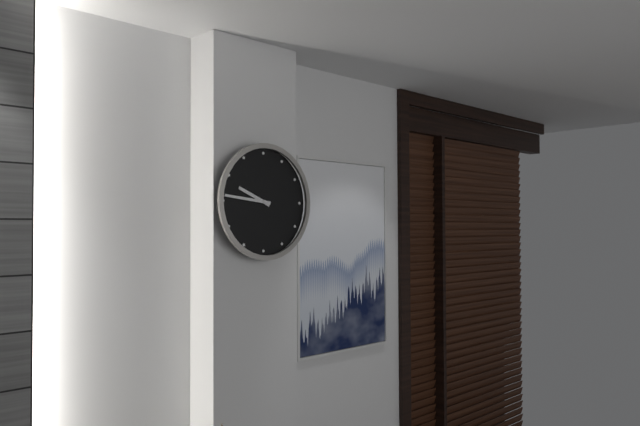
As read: 9h46
